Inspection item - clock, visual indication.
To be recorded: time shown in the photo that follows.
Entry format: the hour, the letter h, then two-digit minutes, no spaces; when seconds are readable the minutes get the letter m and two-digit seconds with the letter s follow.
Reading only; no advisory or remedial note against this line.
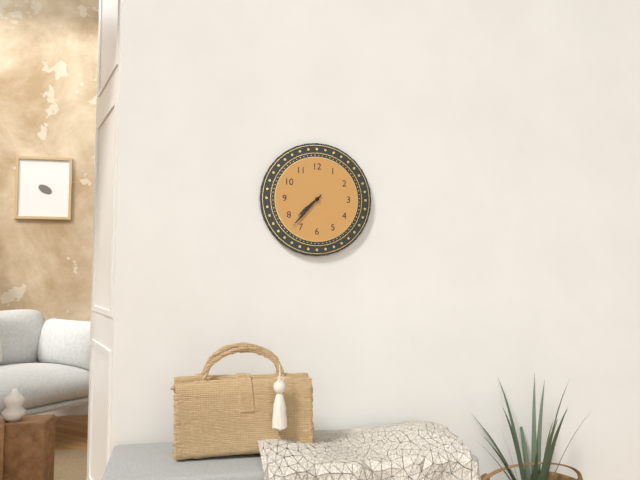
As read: 7h37
